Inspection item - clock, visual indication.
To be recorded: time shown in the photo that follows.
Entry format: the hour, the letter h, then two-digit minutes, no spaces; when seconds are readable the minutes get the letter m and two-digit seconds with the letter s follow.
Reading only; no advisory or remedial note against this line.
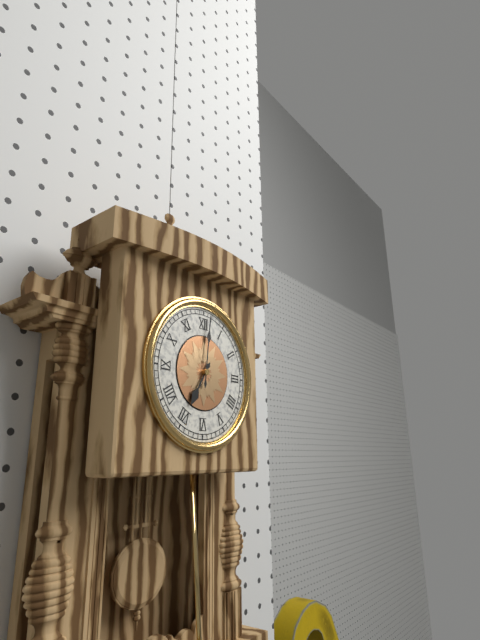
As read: 7h01
